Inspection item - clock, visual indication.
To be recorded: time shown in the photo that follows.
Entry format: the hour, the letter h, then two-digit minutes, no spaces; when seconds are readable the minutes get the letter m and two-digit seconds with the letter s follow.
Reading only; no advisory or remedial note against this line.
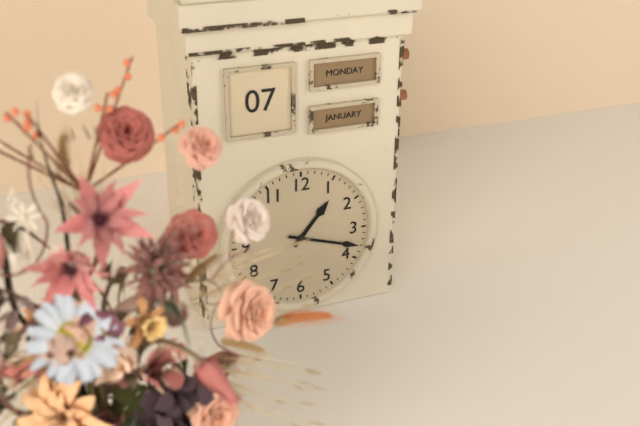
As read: 1h18
